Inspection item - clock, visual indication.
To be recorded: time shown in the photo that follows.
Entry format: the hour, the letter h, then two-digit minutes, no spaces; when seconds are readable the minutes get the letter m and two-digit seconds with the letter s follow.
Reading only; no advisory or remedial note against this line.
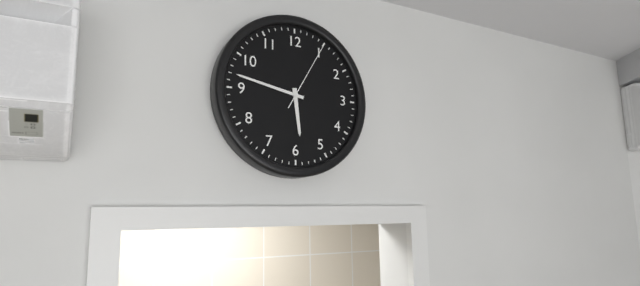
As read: 5h47m05s
